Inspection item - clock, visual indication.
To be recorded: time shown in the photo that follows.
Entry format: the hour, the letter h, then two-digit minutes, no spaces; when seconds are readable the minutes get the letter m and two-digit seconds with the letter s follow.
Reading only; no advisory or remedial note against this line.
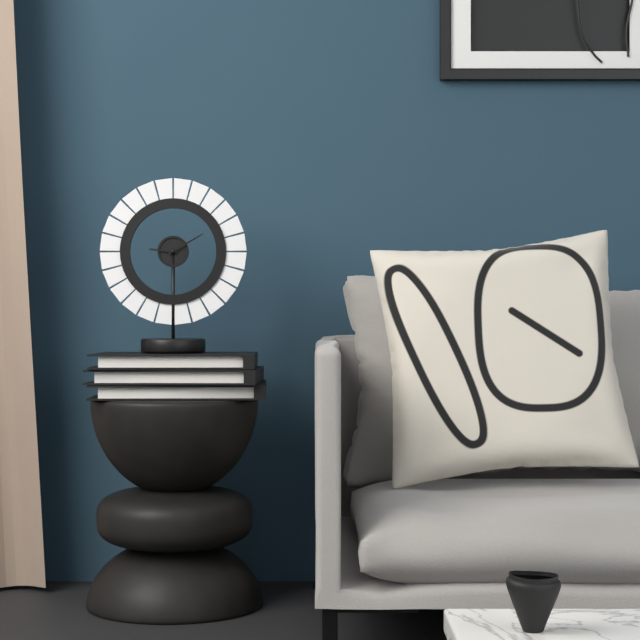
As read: 9h10
